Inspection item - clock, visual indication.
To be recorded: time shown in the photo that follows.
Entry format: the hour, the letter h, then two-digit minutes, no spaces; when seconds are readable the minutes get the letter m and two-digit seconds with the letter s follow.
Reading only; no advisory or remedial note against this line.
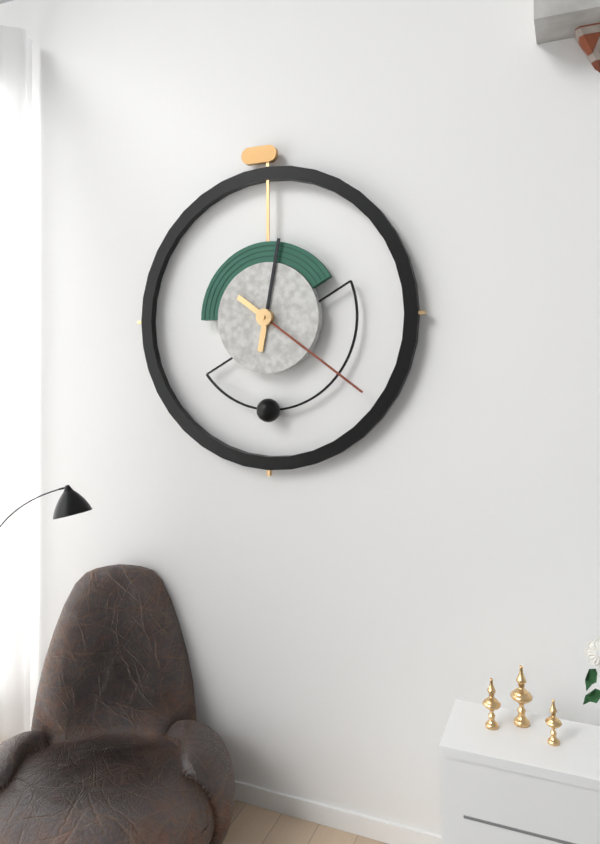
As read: 12h21
